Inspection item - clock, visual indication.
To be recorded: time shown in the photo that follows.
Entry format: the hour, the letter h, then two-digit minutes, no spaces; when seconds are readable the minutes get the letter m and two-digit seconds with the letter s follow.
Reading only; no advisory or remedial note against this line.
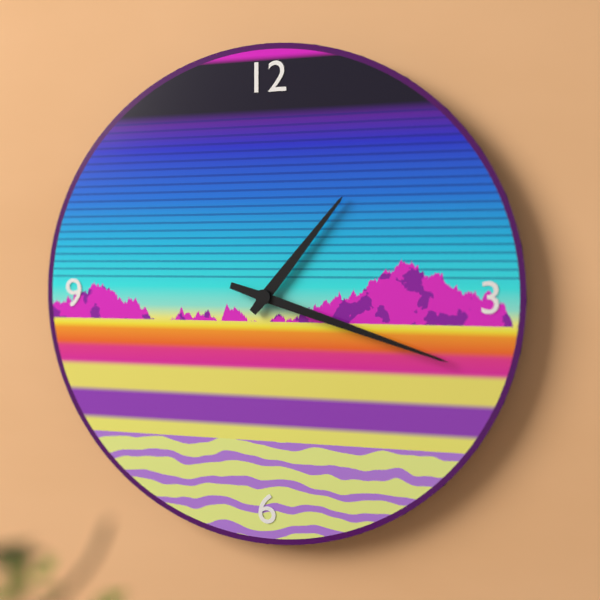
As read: 1h18
